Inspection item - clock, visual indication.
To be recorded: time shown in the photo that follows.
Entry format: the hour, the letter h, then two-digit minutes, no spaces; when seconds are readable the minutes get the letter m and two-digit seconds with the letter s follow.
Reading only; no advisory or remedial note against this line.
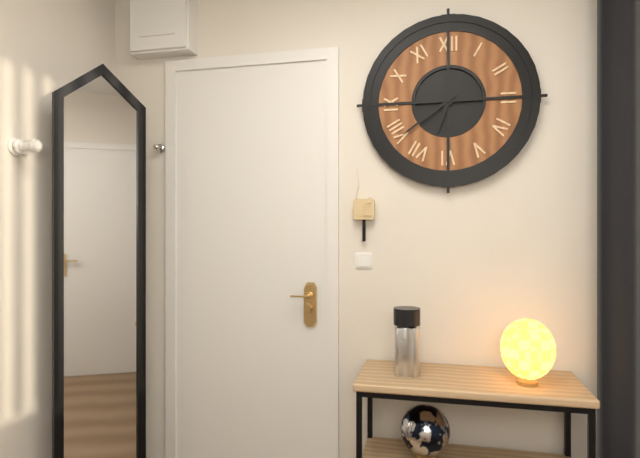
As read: 6h39
